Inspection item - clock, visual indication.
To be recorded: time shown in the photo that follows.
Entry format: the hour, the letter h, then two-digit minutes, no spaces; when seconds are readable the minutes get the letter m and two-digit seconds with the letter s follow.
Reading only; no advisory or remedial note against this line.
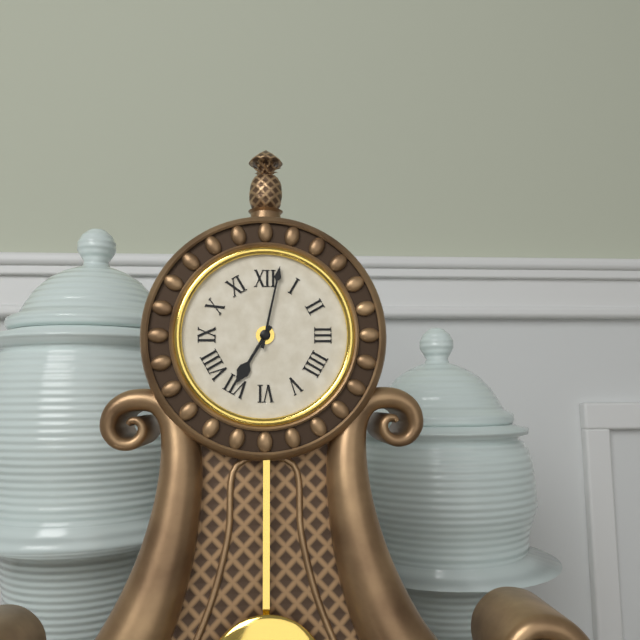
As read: 7h02
